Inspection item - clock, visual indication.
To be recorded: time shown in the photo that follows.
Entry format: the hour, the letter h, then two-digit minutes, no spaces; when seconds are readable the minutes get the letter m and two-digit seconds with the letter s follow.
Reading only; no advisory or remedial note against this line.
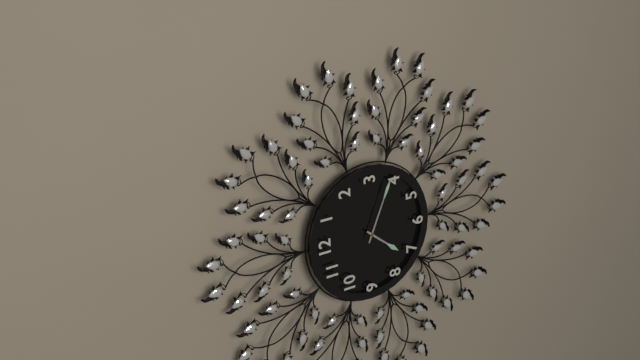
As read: 7h19
